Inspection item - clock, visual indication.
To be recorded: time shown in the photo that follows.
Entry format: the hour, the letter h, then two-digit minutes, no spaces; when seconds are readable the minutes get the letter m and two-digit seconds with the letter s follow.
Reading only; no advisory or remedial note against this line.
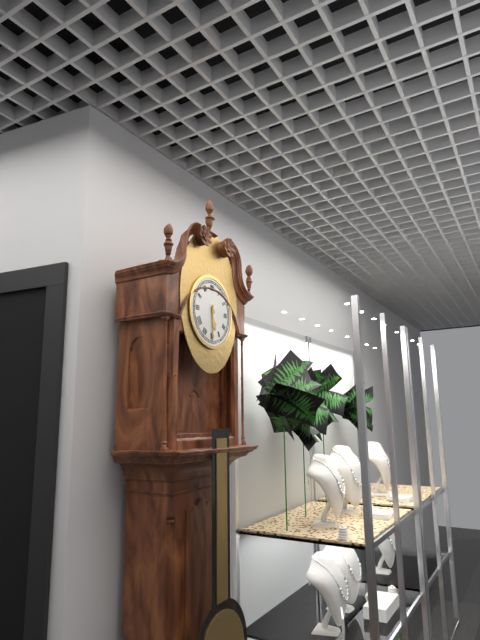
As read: 5h30
